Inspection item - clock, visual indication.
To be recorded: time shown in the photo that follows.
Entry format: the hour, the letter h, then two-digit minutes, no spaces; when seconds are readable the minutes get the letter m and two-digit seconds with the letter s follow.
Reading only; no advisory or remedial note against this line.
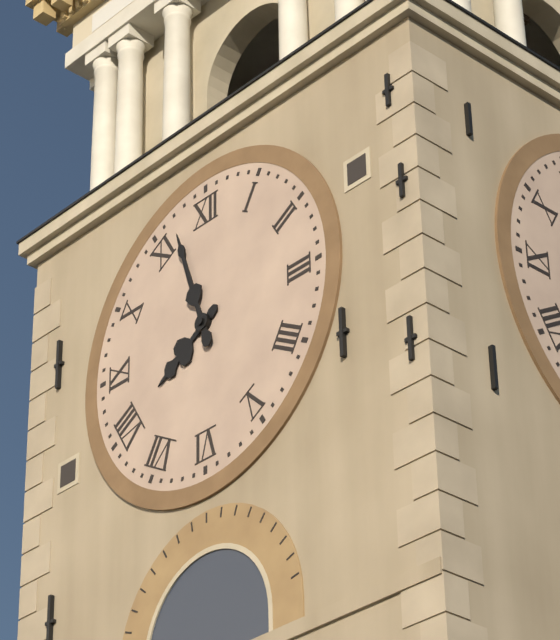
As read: 7h57
